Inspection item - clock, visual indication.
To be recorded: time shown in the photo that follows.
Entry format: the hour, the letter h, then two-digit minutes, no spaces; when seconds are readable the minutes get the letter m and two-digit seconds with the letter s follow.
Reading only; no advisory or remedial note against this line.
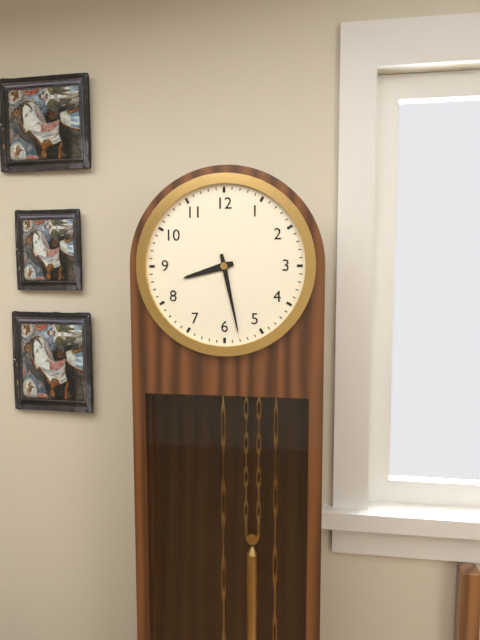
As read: 8h28
